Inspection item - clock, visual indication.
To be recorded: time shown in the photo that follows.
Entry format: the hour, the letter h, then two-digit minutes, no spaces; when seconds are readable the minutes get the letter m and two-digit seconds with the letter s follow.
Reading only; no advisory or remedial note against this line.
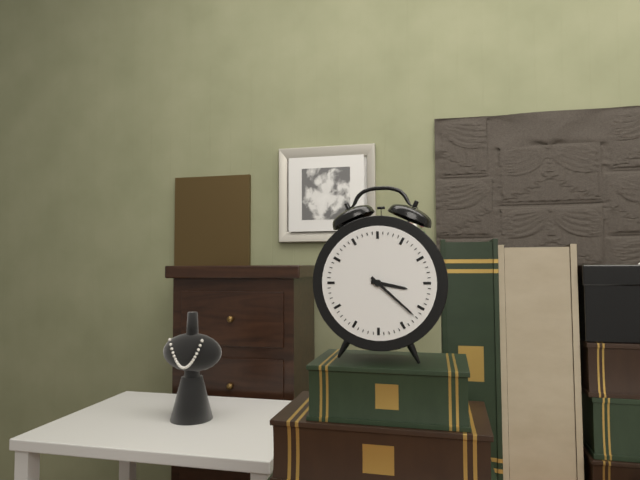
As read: 3h22
